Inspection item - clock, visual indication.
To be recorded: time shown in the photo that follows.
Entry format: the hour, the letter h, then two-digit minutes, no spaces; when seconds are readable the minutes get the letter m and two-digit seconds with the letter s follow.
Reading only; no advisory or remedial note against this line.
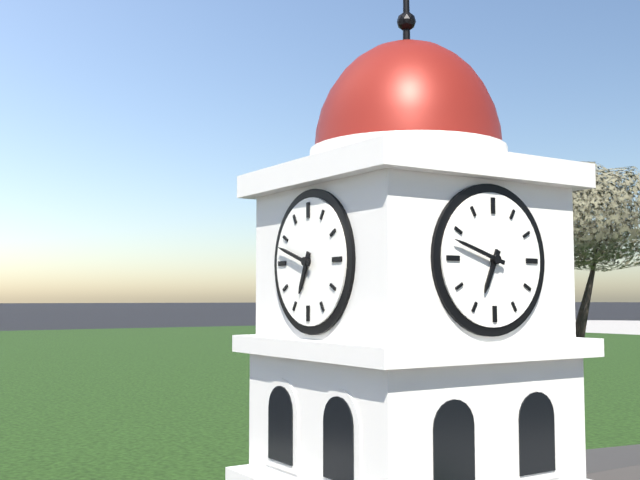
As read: 6h48
